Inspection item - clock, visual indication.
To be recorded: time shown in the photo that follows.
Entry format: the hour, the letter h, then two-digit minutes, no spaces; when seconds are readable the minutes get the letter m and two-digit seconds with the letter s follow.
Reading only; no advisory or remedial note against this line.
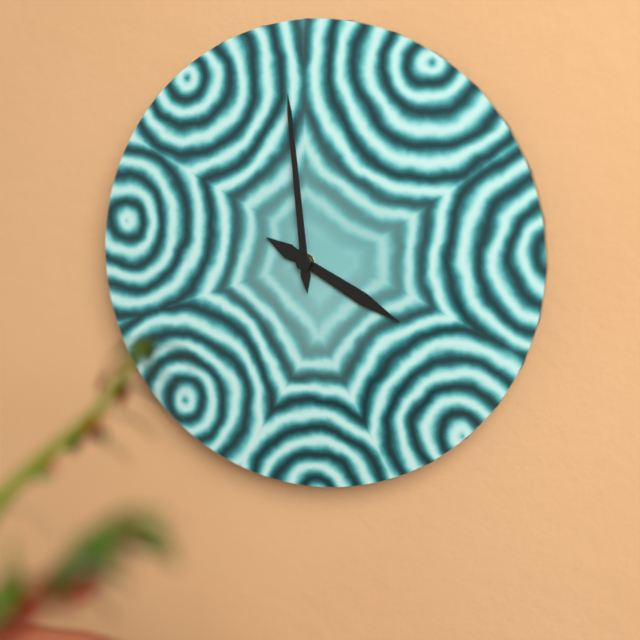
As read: 3h59
